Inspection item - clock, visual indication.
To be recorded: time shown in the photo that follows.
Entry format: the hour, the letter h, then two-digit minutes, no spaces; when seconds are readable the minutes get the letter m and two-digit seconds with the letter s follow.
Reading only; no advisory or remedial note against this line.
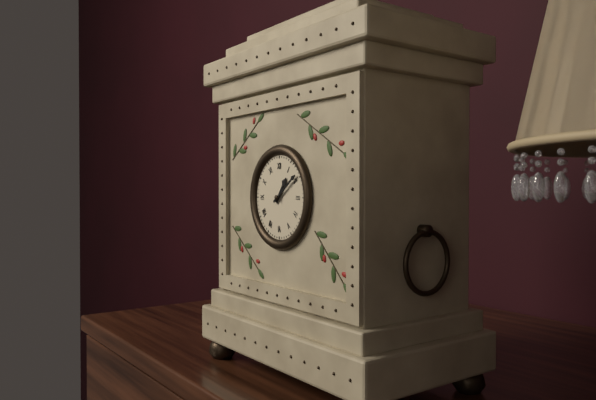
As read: 1h09
